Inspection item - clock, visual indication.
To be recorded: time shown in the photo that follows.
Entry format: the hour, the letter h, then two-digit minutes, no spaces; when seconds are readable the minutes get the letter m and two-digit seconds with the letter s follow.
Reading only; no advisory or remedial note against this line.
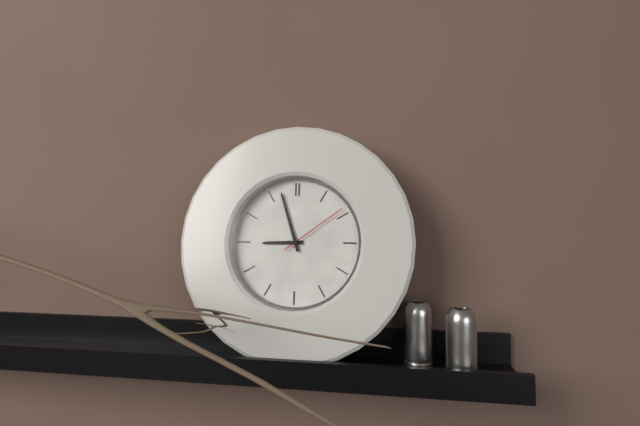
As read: 8h57m09s
